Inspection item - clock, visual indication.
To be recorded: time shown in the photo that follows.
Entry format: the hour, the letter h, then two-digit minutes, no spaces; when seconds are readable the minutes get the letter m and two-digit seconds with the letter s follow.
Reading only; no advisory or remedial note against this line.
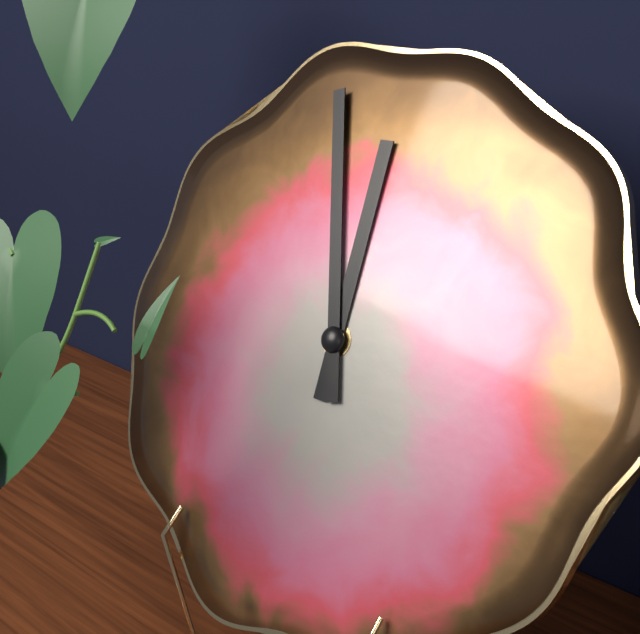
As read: 11h57
